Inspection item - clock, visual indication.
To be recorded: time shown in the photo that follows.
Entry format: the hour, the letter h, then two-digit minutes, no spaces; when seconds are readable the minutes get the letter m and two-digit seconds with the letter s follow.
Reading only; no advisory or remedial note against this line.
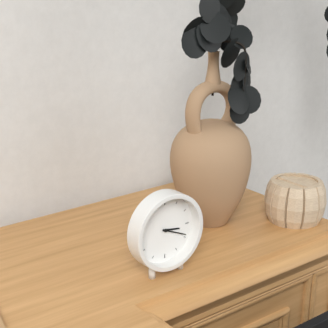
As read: 3h19
